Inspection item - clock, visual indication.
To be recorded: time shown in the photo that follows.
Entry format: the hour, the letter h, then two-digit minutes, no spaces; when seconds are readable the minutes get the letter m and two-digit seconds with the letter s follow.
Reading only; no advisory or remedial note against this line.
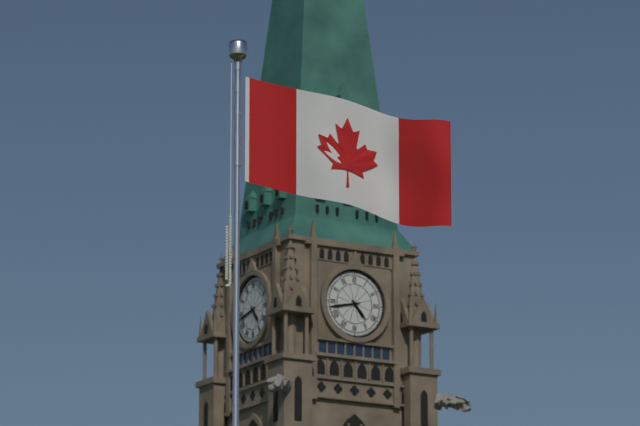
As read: 4h43
